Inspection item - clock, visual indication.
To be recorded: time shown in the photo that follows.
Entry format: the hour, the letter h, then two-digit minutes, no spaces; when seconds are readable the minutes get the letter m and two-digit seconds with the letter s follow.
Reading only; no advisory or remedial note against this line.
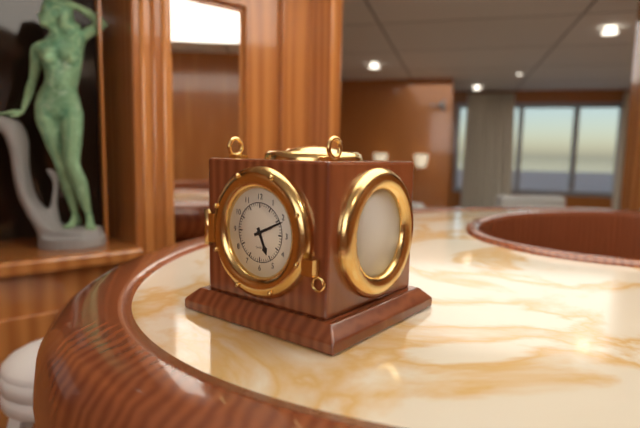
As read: 5h11
